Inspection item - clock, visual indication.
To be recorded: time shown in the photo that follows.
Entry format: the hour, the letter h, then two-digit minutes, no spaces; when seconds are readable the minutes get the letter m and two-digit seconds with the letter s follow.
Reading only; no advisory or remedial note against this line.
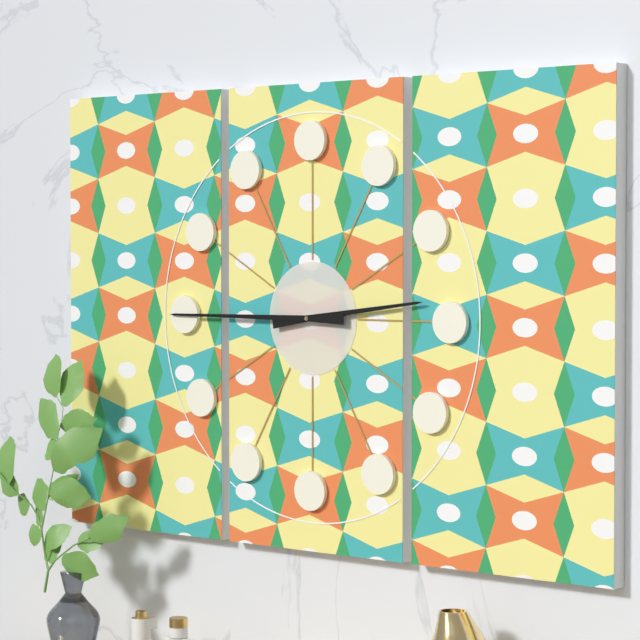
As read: 2h45
